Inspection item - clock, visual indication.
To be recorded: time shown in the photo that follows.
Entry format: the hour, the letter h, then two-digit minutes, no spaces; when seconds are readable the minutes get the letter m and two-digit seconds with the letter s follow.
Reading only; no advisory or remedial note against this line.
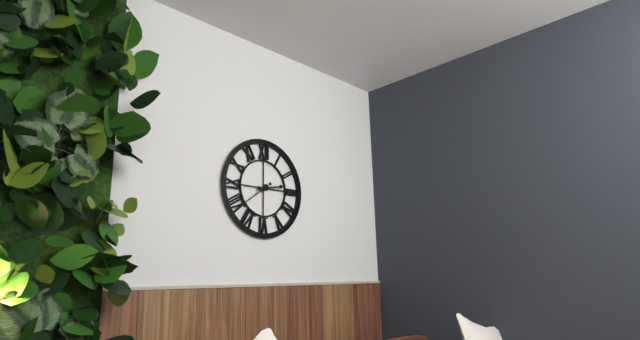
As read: 2h39
